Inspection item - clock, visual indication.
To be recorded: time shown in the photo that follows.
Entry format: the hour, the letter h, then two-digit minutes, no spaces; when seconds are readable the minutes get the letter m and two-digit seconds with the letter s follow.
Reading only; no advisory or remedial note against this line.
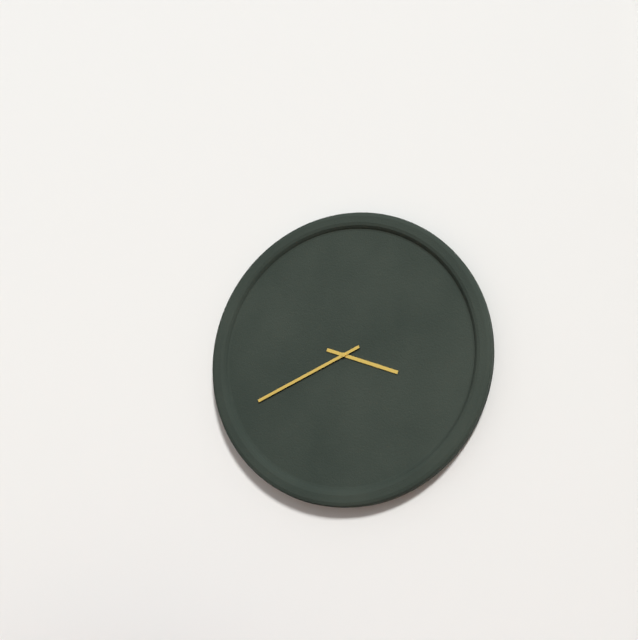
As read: 3h41
